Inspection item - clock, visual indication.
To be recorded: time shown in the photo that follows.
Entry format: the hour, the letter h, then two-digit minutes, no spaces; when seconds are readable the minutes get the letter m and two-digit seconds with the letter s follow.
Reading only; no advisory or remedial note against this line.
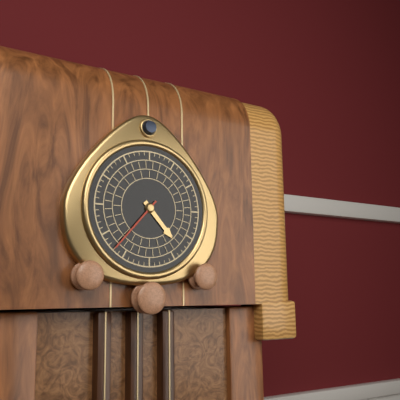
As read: 4h37
